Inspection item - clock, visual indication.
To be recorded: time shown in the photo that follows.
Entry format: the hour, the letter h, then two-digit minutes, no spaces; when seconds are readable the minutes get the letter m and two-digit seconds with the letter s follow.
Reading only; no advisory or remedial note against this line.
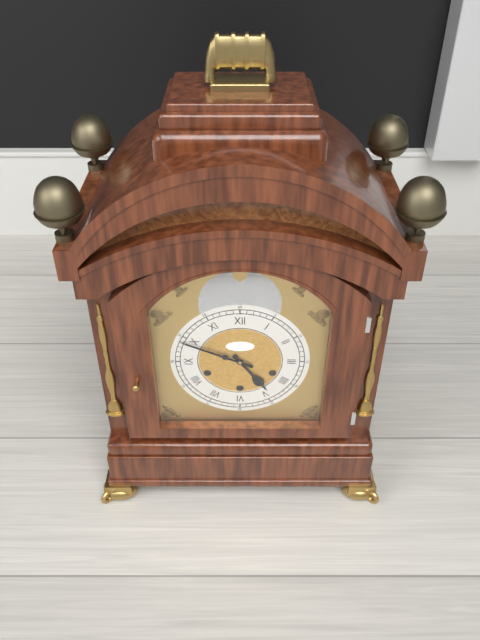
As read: 4h49
